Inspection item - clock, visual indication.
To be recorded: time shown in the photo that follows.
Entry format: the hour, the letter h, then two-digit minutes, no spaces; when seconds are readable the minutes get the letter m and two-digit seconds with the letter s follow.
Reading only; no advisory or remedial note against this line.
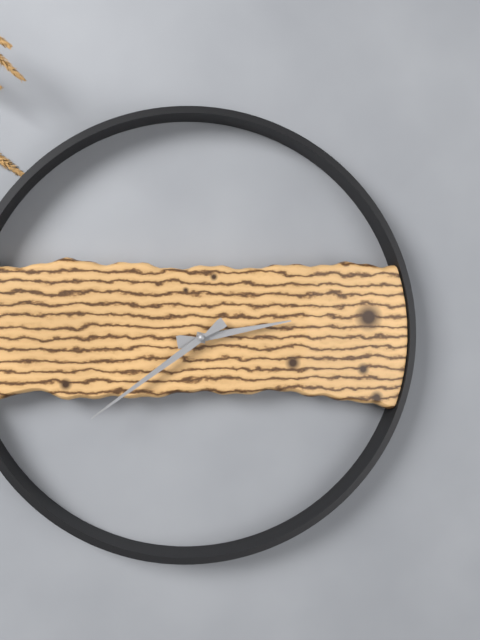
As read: 2h39
